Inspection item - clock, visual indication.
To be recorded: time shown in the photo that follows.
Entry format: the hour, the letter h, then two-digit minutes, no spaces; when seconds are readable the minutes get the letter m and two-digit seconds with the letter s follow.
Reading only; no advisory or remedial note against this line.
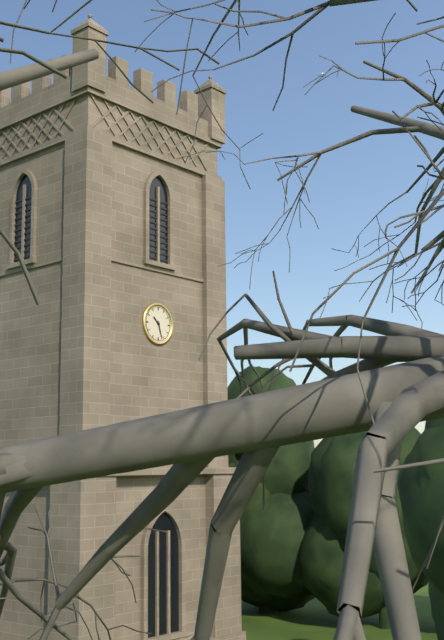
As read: 10h27
